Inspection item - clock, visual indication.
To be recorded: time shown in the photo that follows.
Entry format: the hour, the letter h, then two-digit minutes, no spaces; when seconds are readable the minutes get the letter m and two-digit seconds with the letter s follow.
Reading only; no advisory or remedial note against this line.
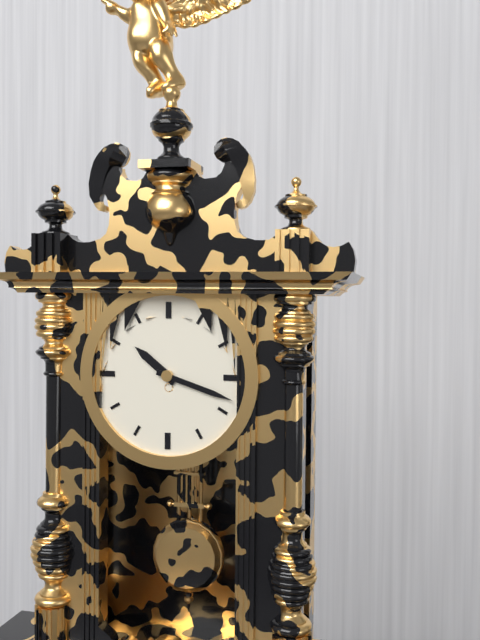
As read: 10h18
